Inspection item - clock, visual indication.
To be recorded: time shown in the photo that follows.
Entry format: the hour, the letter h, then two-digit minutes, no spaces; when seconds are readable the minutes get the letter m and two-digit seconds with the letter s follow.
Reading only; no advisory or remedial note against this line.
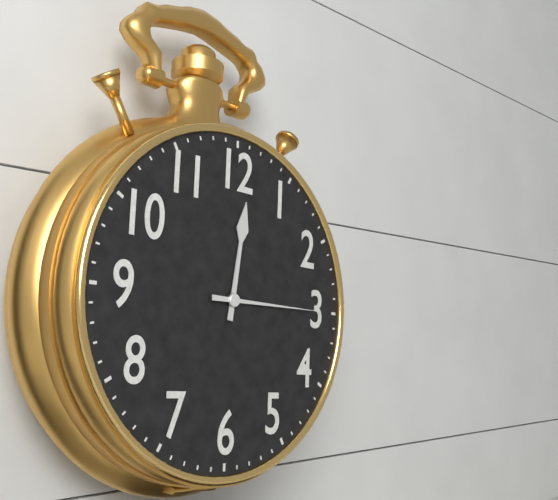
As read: 12h15
